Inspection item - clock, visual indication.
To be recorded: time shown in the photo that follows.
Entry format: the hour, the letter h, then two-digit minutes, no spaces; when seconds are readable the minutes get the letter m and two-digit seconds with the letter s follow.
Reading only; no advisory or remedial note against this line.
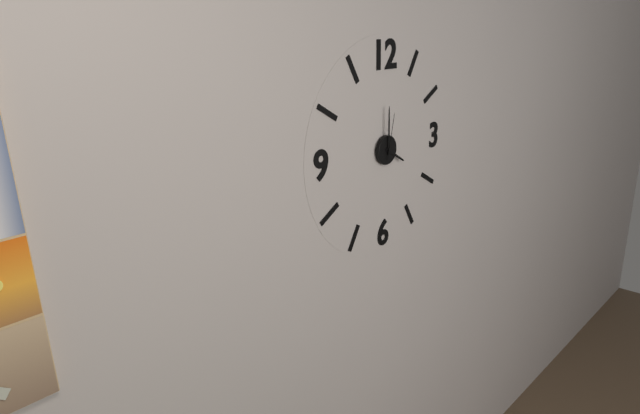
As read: 4h00
